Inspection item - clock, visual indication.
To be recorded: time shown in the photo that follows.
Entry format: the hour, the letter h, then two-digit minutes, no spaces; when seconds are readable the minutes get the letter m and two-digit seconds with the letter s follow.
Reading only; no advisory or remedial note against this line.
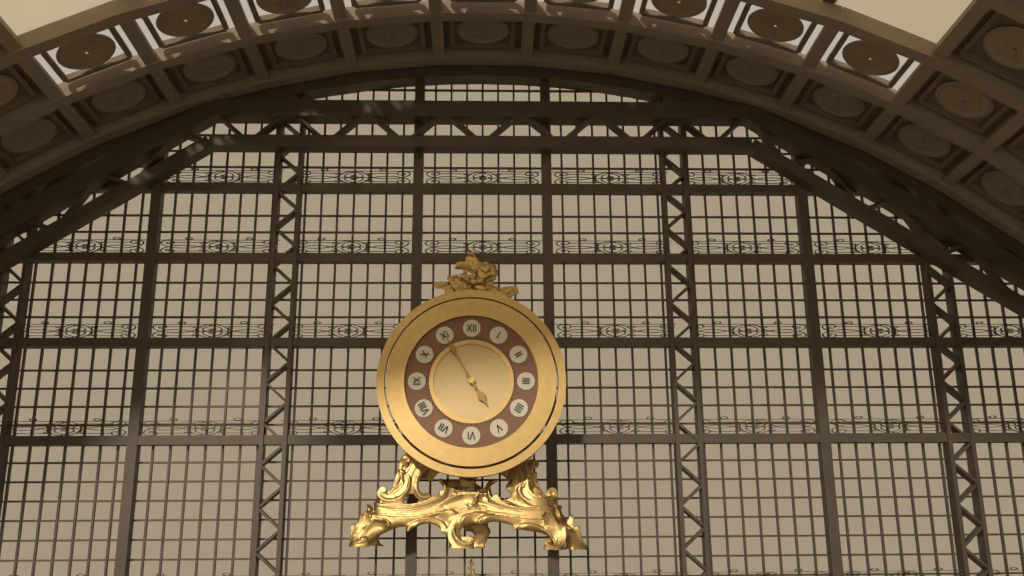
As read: 4h55
